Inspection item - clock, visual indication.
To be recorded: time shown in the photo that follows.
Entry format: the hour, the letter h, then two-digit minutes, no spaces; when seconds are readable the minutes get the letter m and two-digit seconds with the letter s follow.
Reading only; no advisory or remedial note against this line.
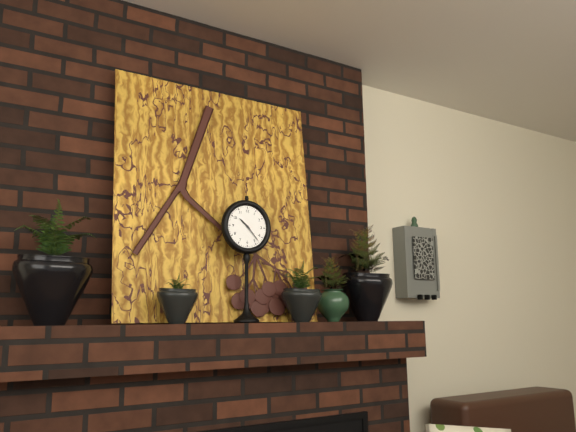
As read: 10h23
